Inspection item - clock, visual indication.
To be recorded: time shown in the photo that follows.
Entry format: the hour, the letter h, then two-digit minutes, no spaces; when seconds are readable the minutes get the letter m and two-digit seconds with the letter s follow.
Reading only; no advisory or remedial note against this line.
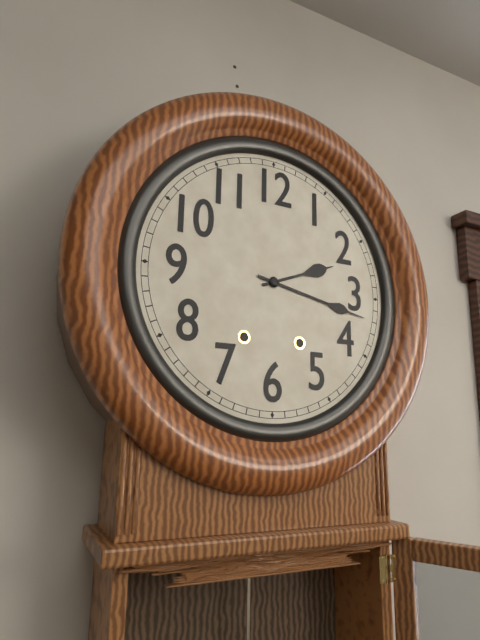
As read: 2h17
